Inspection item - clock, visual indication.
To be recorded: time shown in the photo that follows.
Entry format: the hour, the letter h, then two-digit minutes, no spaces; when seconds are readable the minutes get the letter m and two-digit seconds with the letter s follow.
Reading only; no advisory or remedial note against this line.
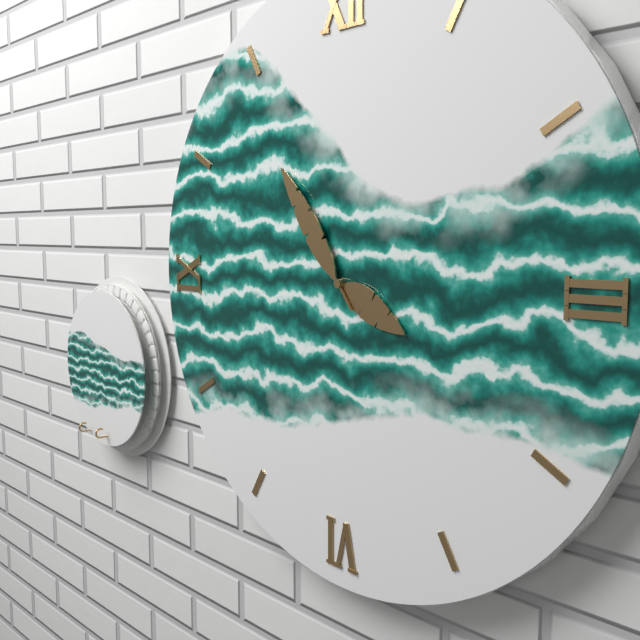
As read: 3h54
